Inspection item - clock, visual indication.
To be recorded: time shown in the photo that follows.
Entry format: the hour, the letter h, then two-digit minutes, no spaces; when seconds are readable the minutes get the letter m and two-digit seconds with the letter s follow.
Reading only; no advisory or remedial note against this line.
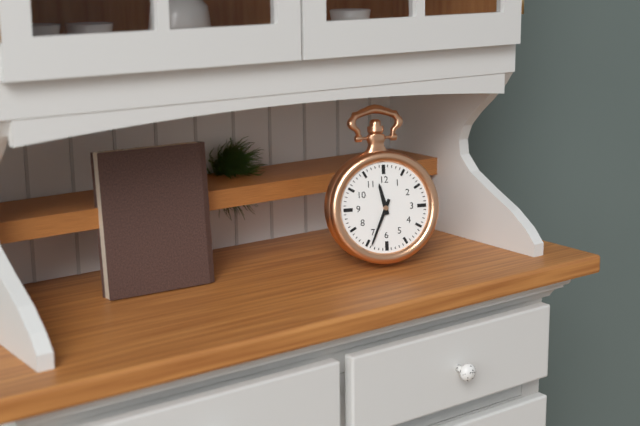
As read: 11h34
